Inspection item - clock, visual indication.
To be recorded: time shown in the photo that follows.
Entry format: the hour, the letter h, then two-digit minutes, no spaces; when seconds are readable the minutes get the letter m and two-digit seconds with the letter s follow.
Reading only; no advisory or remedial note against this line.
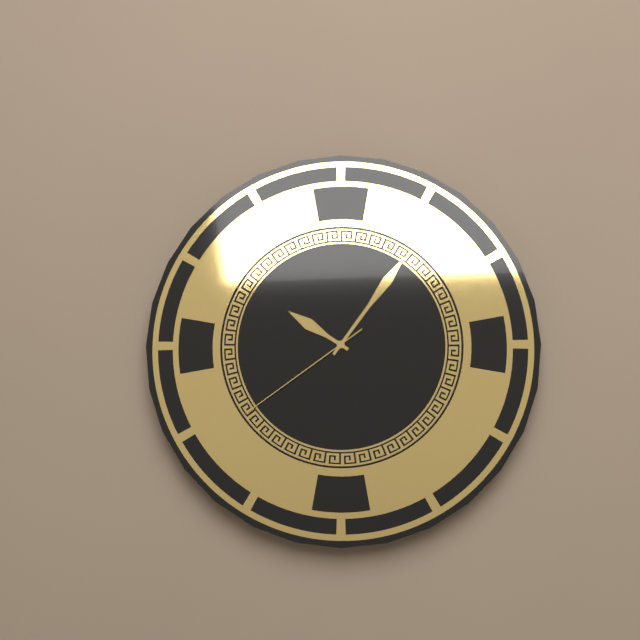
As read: 10h06m39s
